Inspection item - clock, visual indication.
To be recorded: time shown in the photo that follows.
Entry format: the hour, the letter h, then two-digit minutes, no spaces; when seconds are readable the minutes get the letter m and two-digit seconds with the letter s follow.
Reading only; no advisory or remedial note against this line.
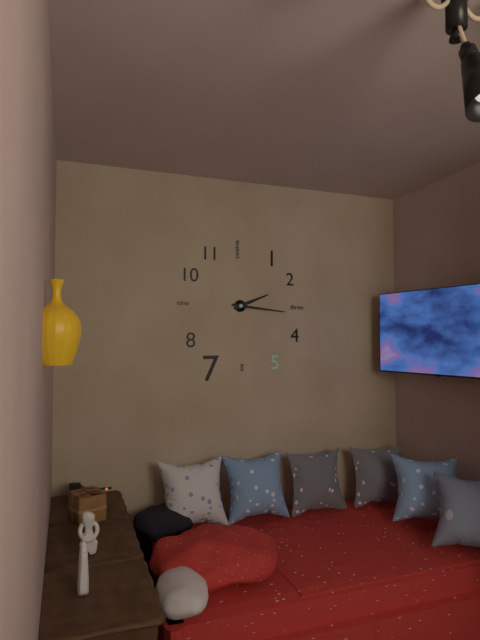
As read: 2h16
